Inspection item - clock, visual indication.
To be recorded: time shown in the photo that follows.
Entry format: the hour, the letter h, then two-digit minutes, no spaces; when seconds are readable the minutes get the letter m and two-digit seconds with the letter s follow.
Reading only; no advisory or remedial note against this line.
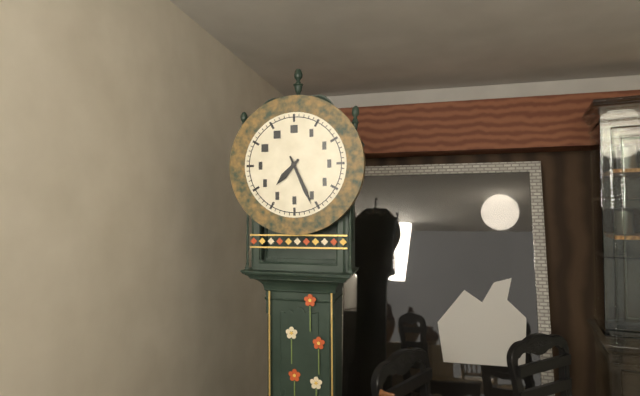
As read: 7h26
